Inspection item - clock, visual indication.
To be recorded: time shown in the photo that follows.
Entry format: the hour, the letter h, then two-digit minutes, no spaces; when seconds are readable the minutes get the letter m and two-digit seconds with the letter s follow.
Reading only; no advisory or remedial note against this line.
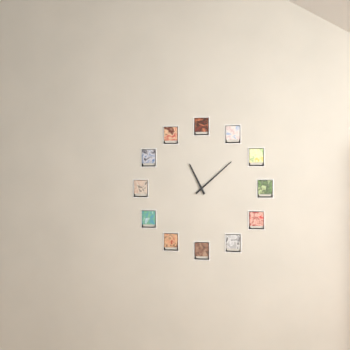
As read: 11h08
